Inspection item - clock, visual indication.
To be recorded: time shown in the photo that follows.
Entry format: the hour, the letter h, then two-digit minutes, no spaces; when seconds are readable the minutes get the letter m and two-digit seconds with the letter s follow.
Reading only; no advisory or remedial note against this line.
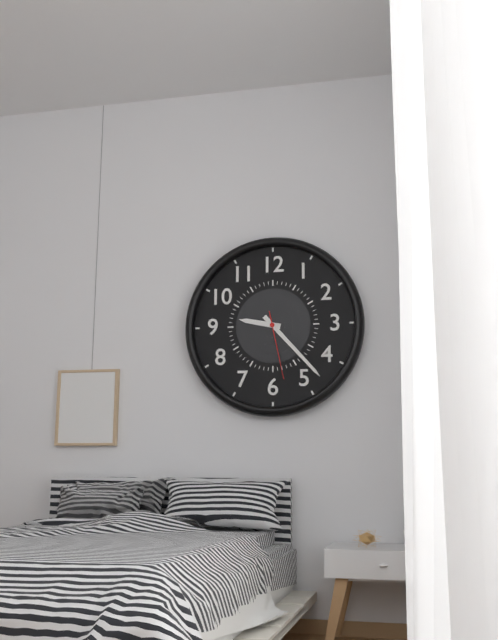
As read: 9h23m28s
